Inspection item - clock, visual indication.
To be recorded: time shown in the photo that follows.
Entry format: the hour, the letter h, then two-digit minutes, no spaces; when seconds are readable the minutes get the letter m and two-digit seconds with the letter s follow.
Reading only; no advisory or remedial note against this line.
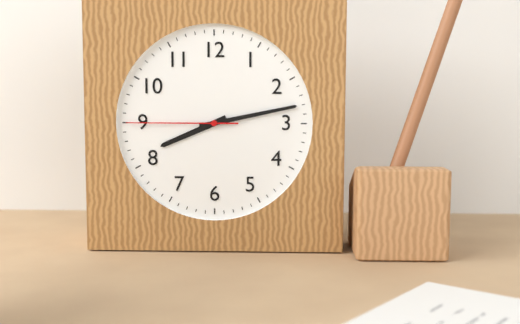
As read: 8h13m45s
